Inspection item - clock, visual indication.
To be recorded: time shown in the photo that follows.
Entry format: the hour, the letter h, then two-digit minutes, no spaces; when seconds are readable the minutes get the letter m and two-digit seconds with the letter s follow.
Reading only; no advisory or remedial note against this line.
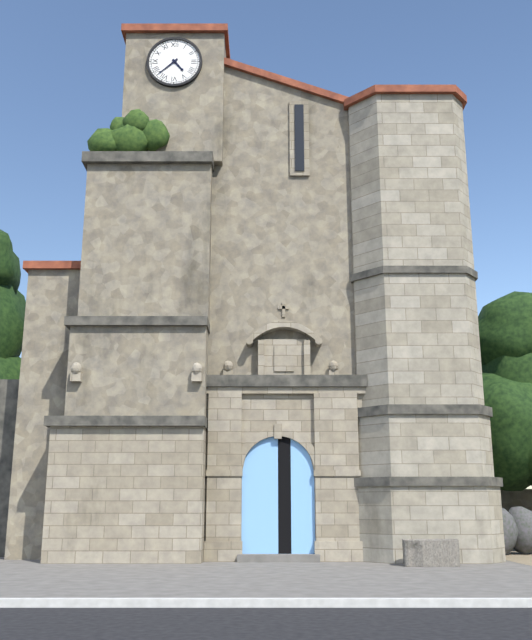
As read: 4h38
